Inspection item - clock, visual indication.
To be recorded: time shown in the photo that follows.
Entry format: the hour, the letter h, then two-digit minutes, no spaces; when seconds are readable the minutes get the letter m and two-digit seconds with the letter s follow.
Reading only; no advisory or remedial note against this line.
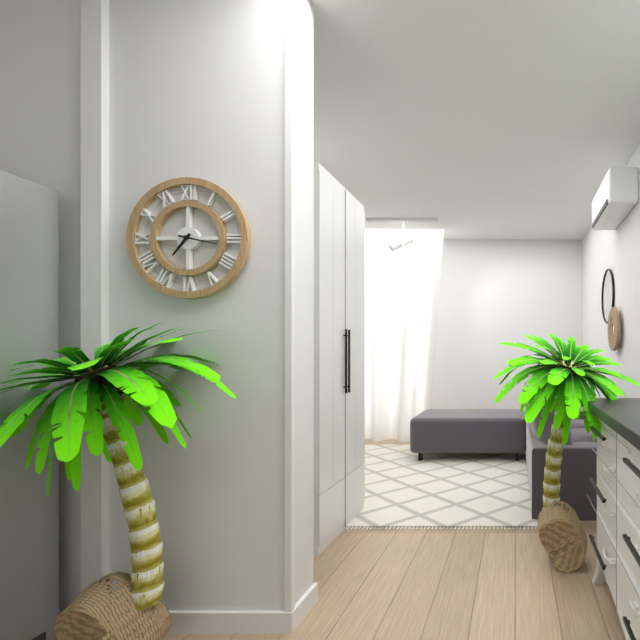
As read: 7h17
